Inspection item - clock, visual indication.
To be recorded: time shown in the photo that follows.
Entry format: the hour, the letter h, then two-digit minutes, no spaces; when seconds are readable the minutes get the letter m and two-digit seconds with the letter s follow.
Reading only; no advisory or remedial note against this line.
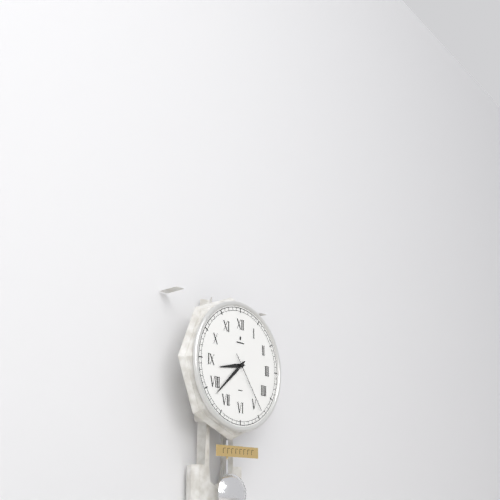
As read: 8h38m24s
